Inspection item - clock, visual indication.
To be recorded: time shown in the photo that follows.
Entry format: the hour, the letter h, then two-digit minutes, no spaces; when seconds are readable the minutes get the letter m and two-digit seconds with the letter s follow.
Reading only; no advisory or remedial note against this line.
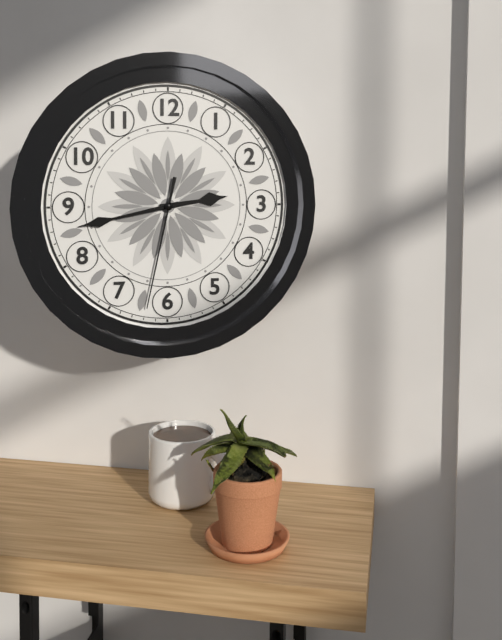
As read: 2h43m32s
